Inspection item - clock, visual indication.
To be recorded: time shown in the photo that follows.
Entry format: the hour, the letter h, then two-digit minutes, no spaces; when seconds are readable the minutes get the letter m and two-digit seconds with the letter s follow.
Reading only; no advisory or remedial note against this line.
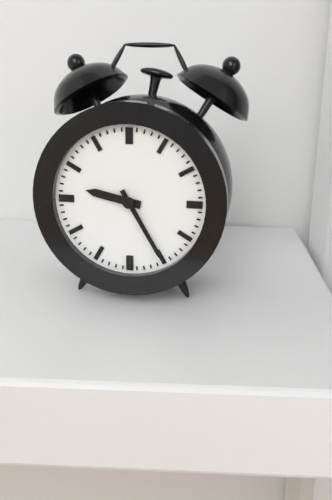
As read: 9h25
